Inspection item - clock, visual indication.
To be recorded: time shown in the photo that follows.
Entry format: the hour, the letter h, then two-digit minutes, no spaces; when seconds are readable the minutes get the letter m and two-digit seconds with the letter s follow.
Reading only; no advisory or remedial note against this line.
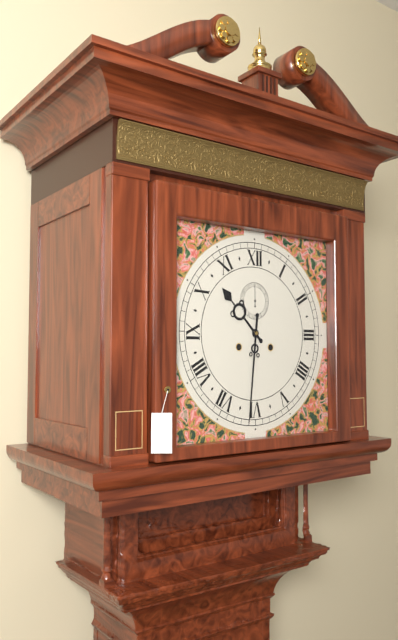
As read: 10h31
